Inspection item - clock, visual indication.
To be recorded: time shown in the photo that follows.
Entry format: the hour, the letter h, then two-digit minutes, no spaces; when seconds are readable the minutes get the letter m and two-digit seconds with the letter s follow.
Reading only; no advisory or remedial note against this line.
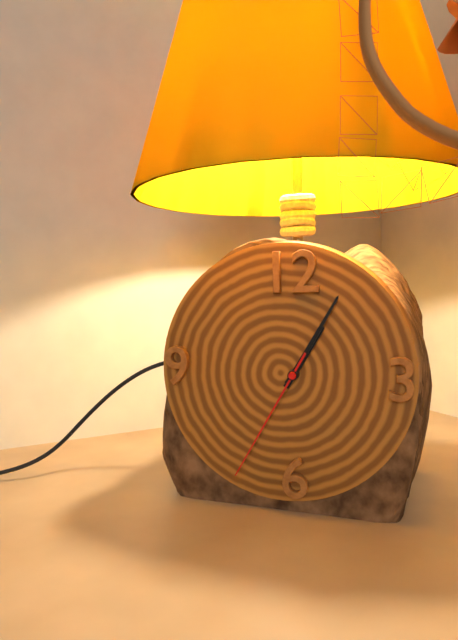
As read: 1h05m35s
